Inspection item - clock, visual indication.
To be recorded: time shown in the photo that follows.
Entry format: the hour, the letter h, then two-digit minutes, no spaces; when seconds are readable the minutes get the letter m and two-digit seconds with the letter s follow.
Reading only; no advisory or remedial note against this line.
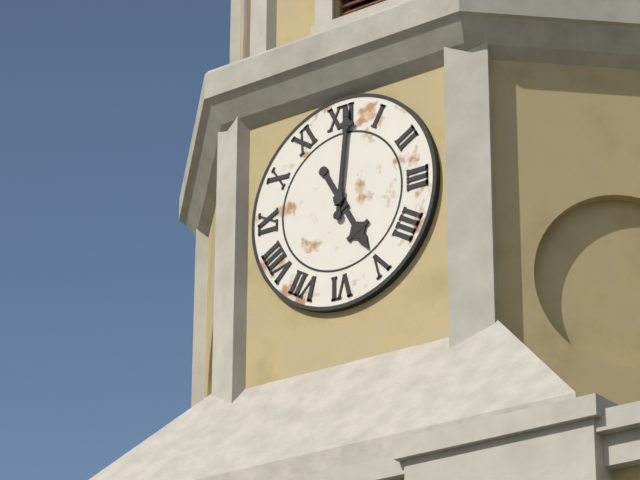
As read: 5h01
